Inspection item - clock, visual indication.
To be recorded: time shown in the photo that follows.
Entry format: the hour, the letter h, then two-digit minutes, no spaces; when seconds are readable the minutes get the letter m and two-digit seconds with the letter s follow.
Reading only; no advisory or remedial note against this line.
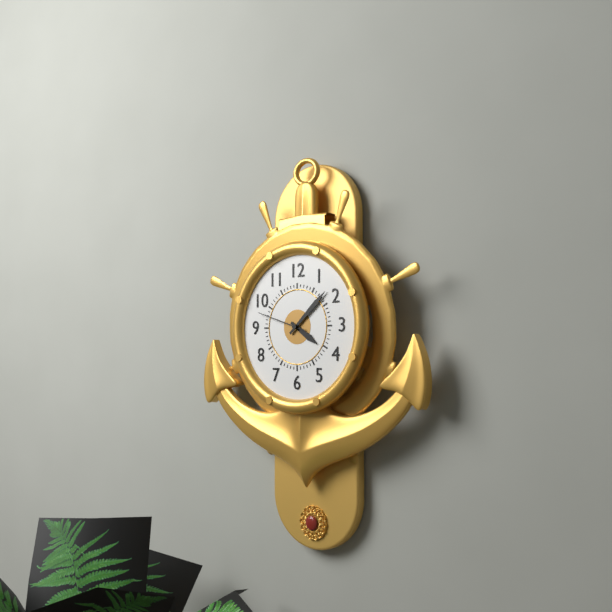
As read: 4h08
